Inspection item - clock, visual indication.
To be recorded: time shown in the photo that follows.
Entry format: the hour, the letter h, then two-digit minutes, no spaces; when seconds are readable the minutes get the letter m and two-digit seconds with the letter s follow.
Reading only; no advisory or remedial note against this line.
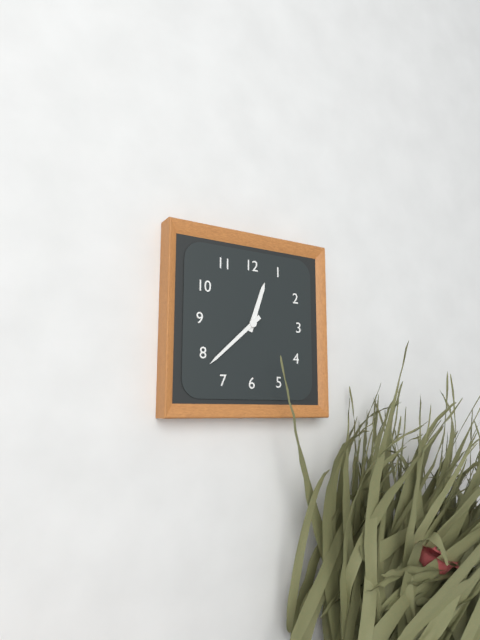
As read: 12h38
